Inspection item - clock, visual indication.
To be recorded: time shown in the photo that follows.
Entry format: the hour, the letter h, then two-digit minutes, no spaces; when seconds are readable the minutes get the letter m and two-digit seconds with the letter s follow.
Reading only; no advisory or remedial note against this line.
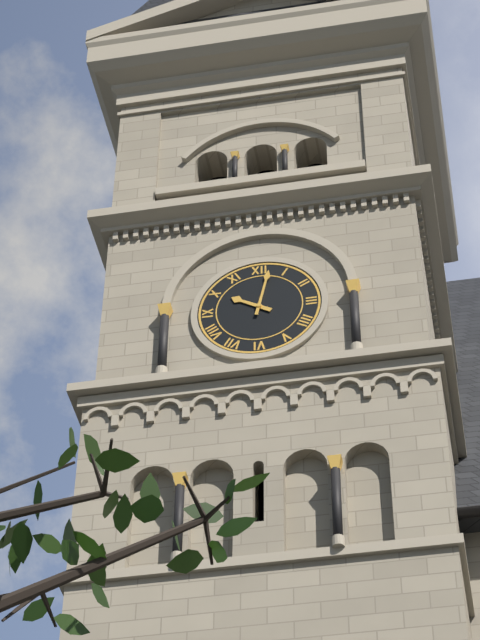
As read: 10h02
